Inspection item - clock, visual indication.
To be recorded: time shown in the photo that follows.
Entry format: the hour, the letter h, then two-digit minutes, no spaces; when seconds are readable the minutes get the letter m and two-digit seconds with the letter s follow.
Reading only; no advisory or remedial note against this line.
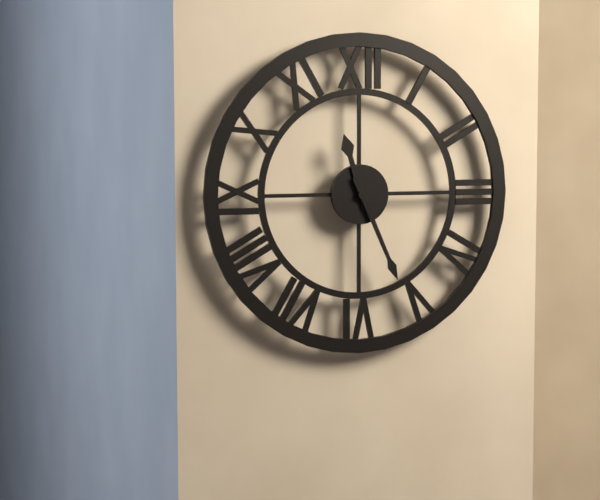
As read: 11h26
